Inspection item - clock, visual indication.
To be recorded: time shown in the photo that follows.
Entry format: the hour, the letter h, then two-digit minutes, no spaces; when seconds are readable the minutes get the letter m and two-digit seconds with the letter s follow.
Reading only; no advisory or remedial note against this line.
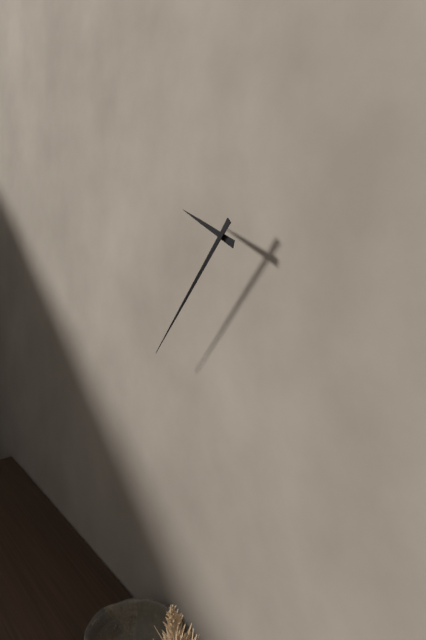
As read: 9h37
